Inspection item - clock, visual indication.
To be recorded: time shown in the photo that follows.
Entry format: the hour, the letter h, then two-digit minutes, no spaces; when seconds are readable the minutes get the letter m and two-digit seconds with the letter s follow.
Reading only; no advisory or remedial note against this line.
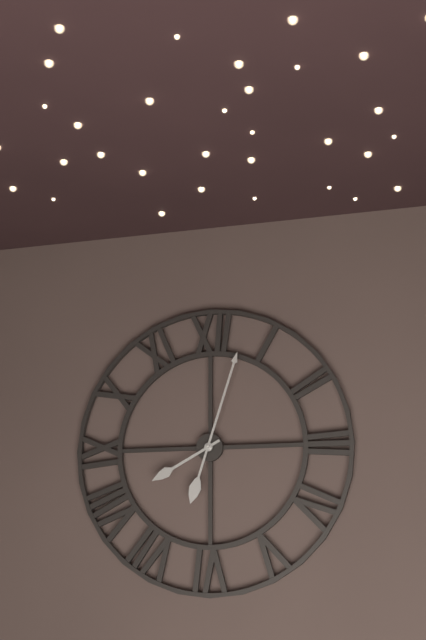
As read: 8h03
